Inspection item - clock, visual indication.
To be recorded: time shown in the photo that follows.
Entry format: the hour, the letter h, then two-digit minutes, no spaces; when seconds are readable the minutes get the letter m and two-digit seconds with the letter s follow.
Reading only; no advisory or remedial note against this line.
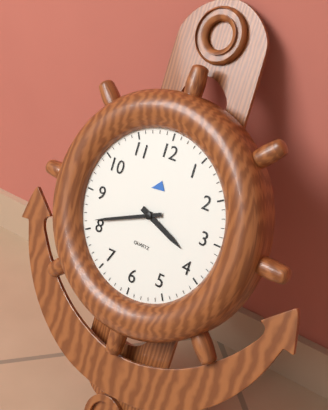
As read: 3h41
